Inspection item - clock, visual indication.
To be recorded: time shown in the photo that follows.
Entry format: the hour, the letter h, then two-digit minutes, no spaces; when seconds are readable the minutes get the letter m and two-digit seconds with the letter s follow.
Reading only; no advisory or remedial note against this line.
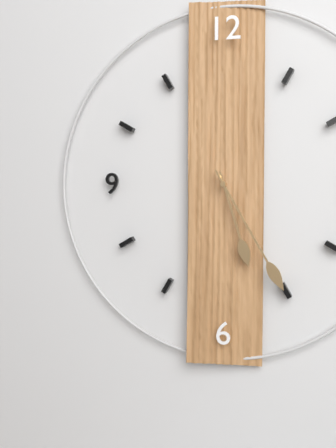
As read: 5h25
